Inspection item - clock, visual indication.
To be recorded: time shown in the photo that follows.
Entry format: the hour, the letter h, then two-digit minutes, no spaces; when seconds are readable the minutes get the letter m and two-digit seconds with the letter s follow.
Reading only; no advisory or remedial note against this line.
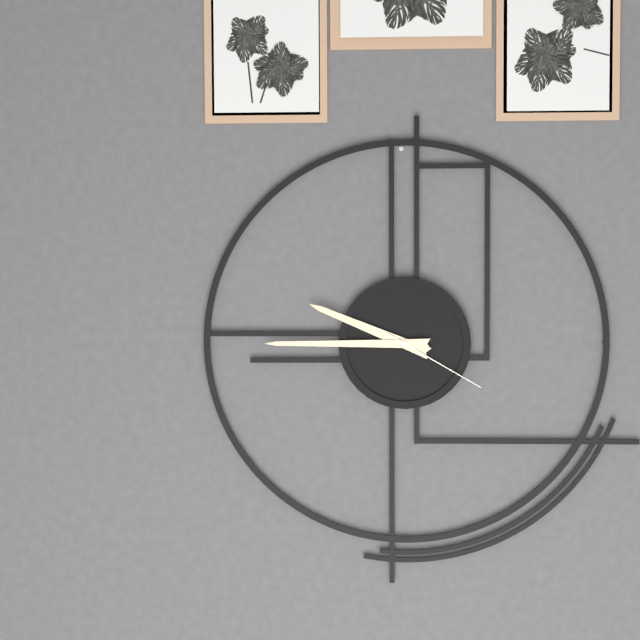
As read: 9h45m20s
